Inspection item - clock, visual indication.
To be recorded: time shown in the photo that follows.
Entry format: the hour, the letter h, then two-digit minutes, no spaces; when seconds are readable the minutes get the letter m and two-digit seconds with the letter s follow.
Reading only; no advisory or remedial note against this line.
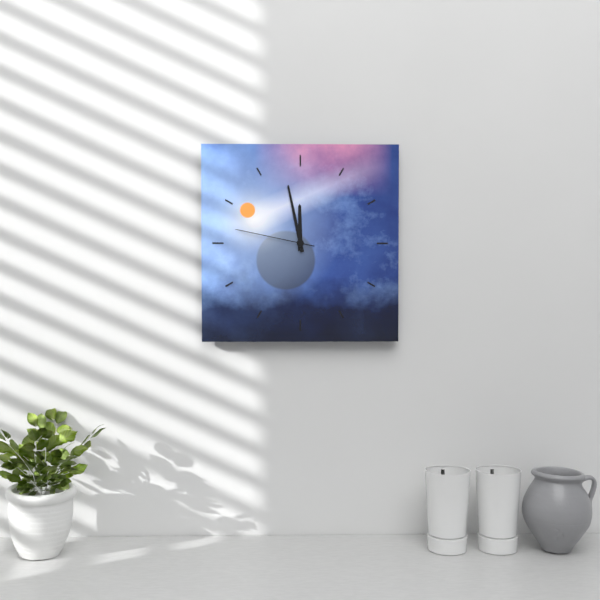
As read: 11h58m47s
